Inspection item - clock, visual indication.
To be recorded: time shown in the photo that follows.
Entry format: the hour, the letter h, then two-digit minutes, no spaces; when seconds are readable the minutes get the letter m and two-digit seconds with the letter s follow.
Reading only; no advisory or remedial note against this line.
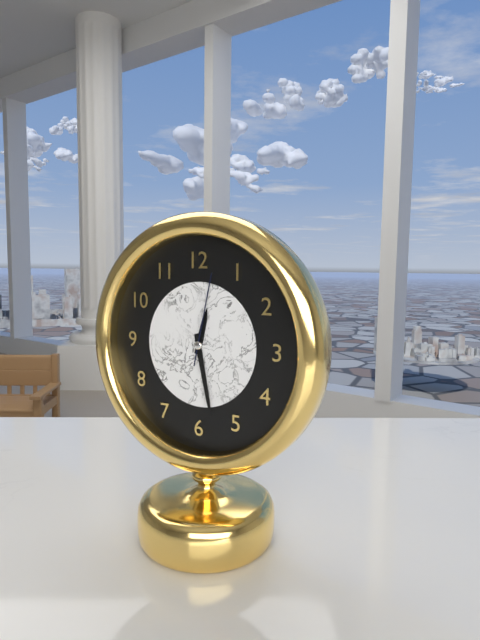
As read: 12h28m02s
